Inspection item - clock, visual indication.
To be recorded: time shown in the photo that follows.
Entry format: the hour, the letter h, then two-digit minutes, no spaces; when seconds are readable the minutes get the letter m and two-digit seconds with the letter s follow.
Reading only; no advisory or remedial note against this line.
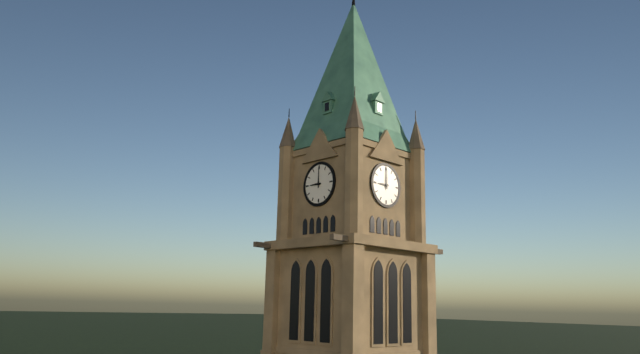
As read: 9h00
